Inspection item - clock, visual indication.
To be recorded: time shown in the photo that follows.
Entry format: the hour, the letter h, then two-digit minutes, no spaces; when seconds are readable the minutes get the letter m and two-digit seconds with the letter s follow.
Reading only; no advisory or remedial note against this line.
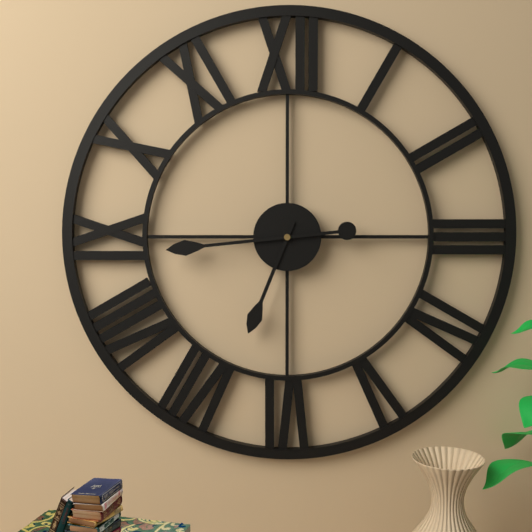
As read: 6h44
